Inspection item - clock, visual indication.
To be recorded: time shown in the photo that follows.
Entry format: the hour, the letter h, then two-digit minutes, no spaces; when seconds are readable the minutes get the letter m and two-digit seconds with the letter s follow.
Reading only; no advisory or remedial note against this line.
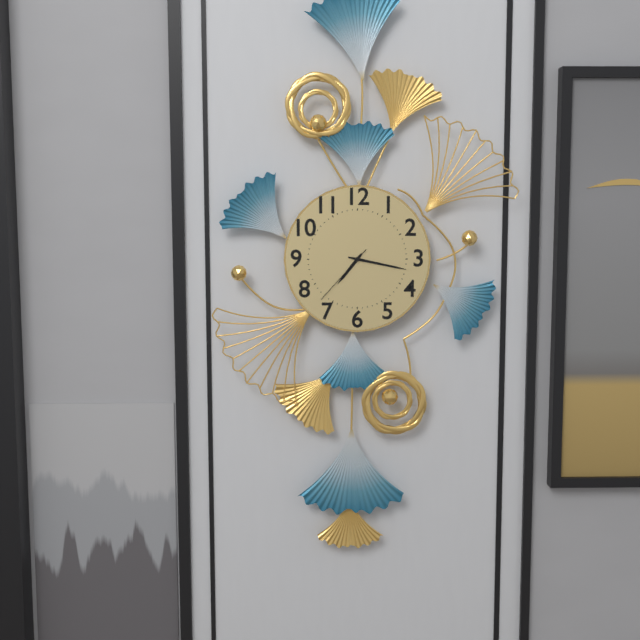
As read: 7h17m37s
